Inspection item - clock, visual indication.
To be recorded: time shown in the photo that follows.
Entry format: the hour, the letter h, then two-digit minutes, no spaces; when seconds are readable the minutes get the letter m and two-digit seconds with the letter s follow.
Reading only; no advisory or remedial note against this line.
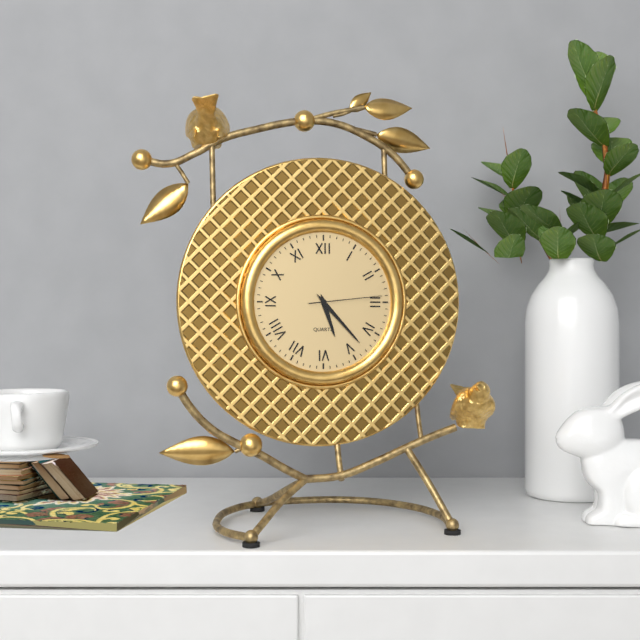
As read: 5h23m14s
